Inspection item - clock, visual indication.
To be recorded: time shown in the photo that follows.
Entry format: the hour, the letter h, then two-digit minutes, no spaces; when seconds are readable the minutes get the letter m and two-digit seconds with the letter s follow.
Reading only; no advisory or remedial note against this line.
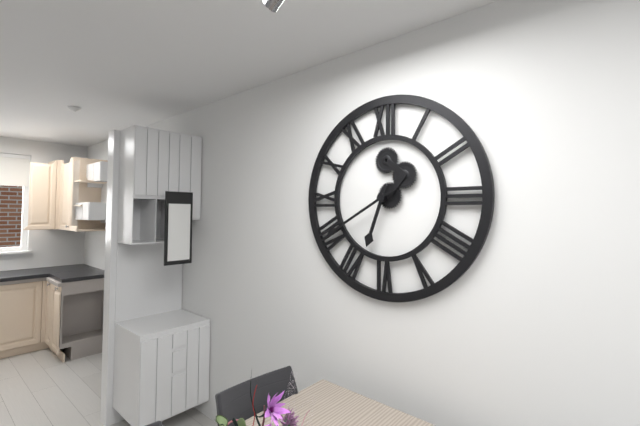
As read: 6h40
